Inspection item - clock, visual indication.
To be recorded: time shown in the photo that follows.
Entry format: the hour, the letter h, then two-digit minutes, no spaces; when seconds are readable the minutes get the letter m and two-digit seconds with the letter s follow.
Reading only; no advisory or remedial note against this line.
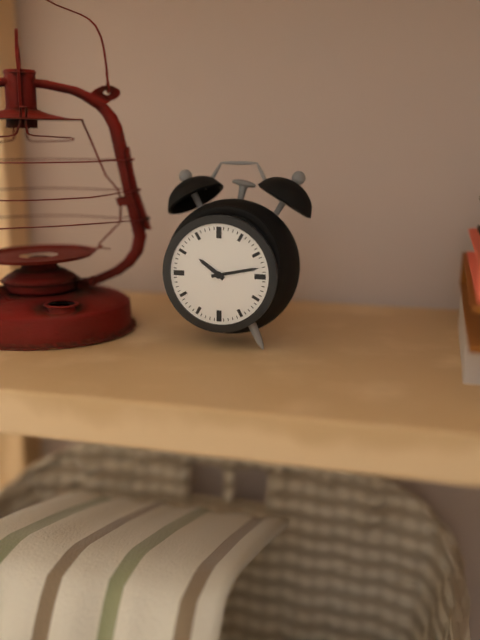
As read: 10h13
